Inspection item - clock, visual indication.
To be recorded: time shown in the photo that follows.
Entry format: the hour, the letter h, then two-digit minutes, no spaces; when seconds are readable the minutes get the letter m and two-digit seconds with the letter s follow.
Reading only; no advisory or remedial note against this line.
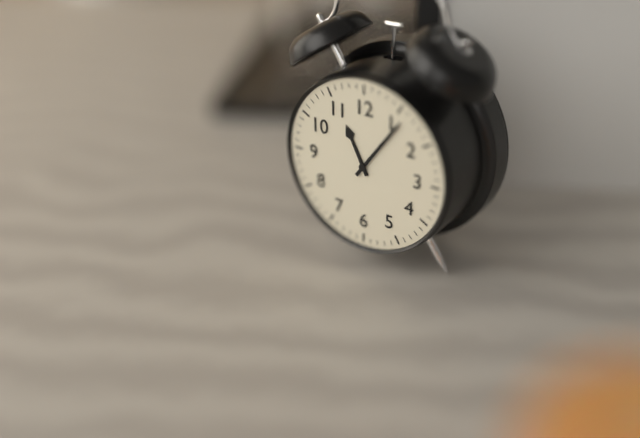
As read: 11h06
